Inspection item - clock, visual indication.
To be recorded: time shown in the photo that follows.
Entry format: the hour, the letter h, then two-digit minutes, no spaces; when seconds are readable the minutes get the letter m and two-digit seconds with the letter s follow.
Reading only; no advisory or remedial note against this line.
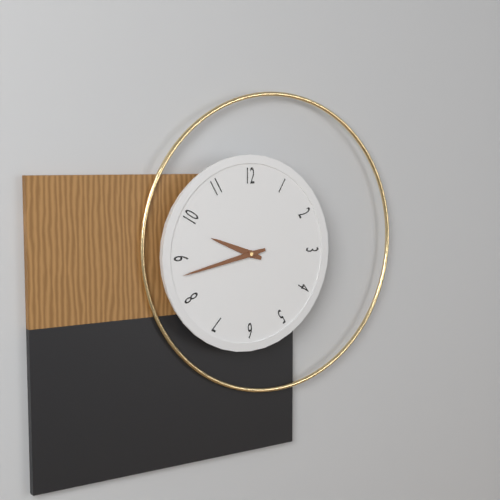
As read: 9h43
